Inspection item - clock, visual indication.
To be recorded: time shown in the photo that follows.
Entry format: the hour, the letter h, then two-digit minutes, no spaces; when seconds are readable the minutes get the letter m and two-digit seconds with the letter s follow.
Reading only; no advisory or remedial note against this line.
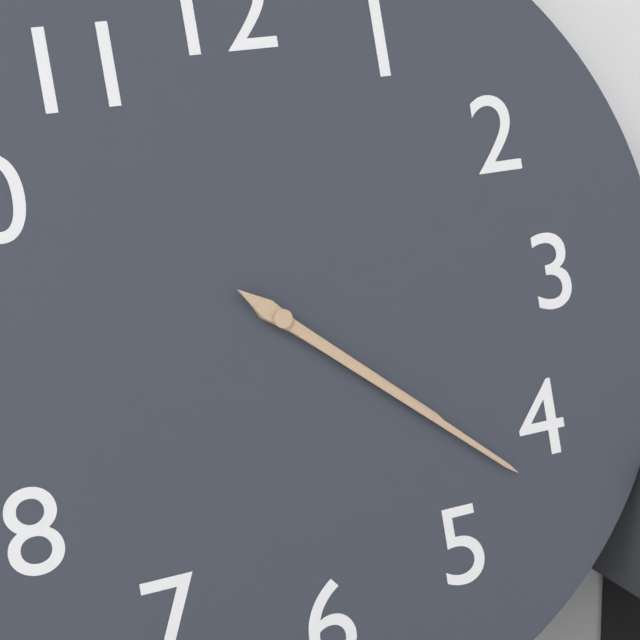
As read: 4h22
